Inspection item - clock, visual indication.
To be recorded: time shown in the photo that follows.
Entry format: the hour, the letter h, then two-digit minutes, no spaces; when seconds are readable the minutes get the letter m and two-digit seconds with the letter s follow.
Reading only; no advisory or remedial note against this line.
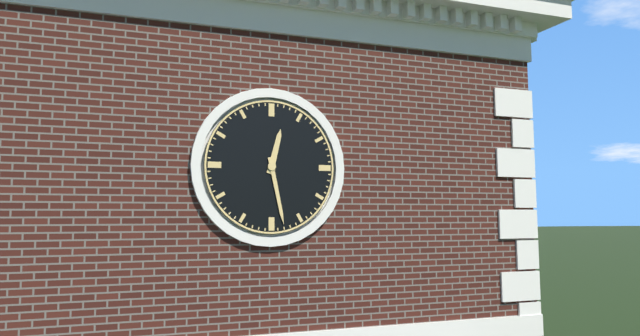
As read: 12h28
